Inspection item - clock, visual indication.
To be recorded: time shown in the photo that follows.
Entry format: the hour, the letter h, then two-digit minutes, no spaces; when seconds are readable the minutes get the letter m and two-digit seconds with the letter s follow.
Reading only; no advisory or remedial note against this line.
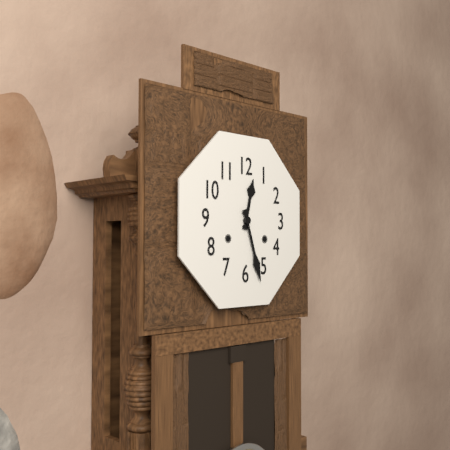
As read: 12h27
